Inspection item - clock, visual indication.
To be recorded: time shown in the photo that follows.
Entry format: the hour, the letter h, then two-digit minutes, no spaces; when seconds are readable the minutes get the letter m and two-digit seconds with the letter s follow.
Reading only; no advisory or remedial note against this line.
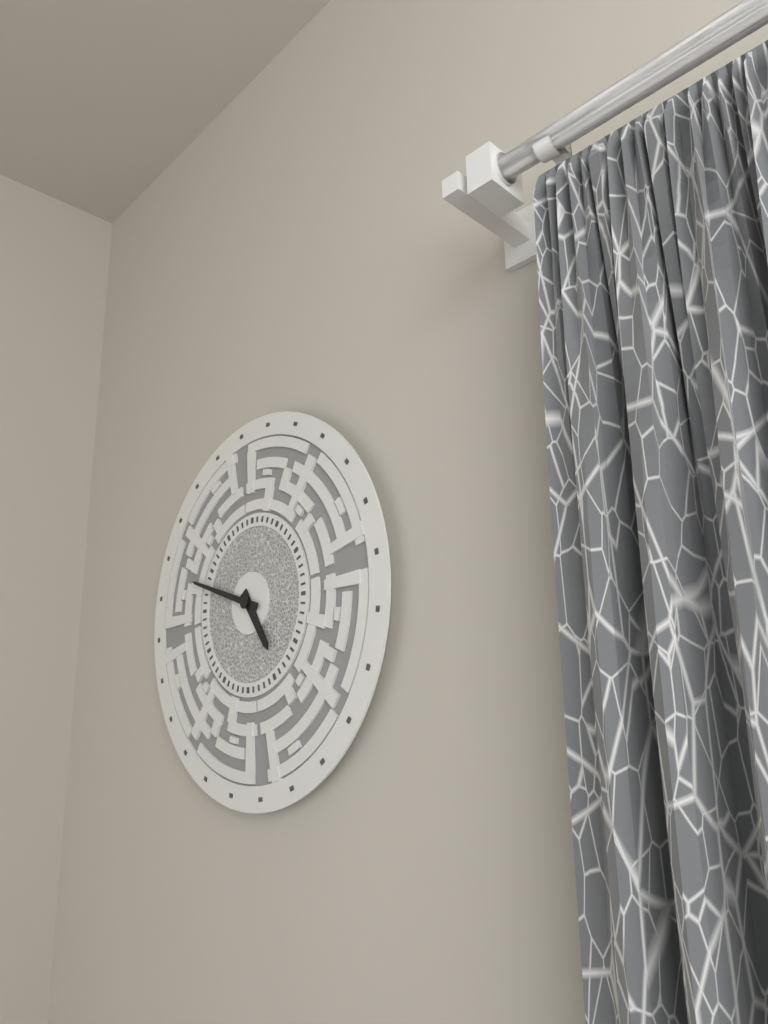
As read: 4h48
